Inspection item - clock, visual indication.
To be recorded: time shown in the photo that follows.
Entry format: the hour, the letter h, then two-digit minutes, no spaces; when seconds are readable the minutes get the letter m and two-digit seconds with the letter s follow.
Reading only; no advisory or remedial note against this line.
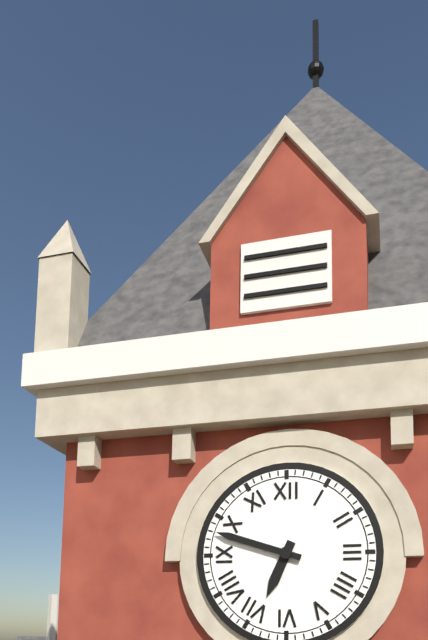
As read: 6h48
